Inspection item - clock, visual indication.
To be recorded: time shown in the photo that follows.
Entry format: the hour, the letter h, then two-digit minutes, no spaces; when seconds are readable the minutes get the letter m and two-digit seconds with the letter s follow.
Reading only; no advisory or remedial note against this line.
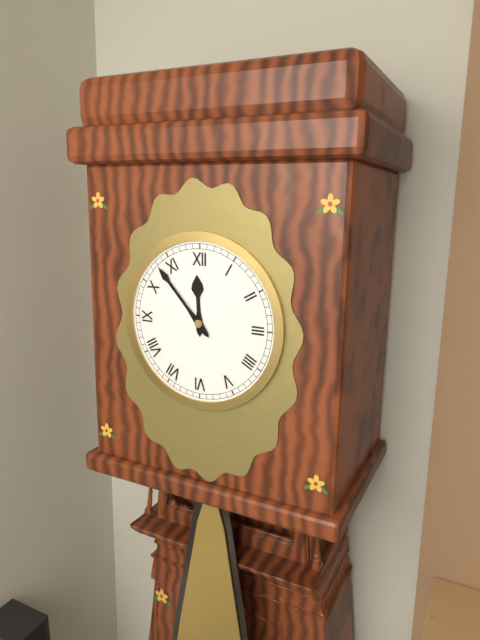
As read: 11h53
